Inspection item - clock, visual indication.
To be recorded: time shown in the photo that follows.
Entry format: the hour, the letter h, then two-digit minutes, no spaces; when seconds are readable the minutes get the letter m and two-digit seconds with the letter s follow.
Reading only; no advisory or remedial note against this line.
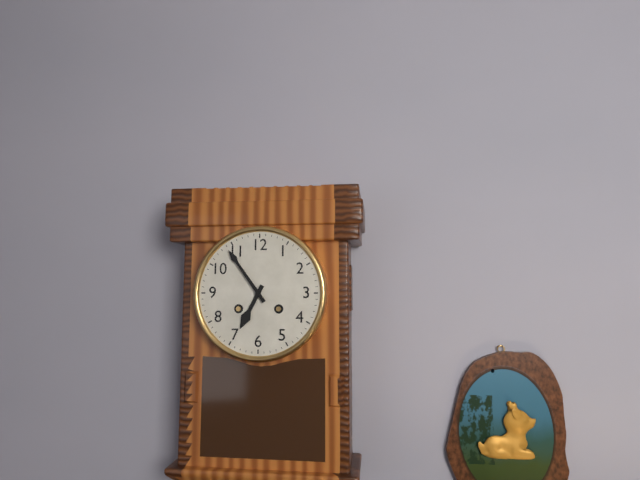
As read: 6h54
